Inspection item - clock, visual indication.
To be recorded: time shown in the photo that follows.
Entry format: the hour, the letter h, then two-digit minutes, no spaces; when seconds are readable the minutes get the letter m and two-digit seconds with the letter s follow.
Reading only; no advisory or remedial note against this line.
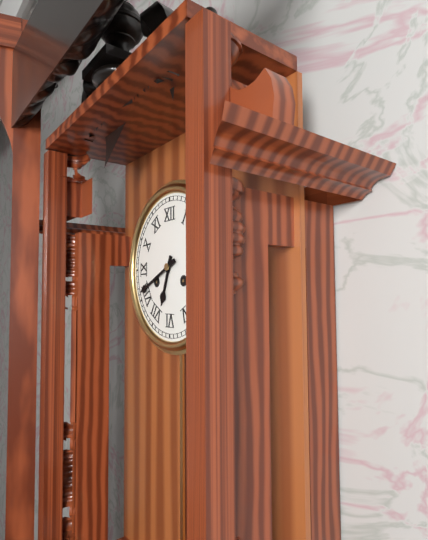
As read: 6h41
